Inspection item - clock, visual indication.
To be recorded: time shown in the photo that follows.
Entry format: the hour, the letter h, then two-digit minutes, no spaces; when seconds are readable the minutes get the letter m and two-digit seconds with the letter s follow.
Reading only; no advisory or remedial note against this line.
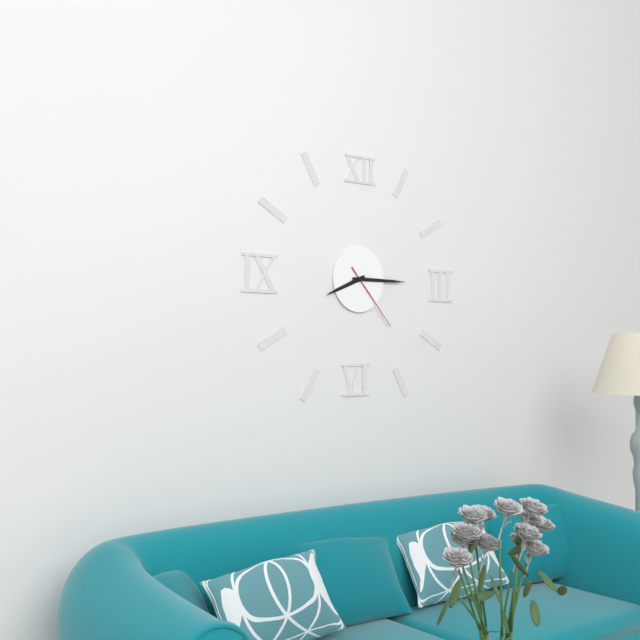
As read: 8h15m23s
